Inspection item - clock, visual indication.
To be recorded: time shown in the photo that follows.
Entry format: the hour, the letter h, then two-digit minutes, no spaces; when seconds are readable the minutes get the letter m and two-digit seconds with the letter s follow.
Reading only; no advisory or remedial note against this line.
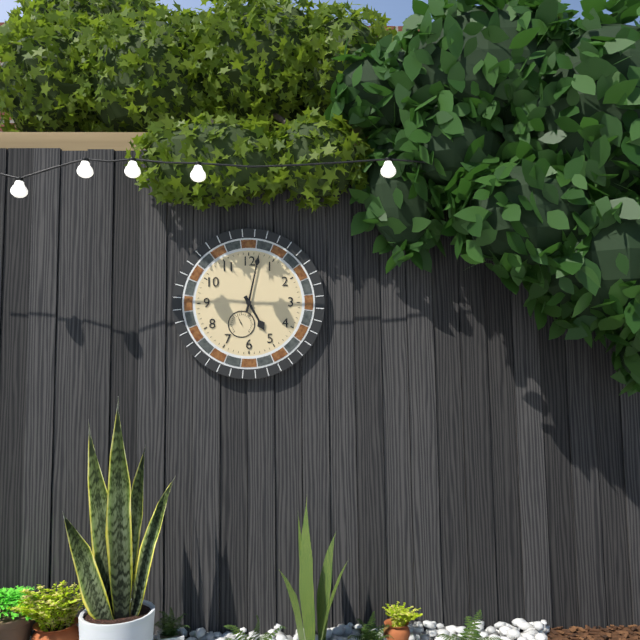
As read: 5h02
